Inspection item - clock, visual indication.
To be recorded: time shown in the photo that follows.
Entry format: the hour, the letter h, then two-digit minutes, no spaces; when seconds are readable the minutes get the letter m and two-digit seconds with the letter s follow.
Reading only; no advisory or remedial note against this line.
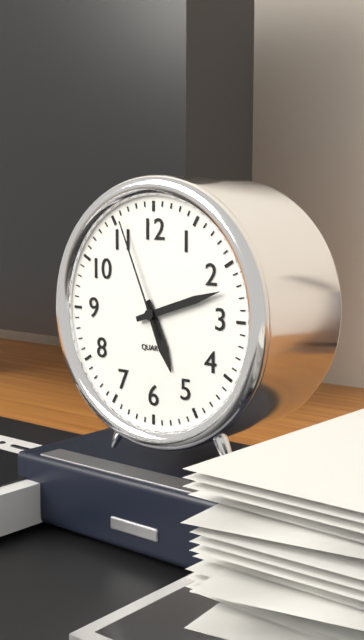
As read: 5h12m56s
